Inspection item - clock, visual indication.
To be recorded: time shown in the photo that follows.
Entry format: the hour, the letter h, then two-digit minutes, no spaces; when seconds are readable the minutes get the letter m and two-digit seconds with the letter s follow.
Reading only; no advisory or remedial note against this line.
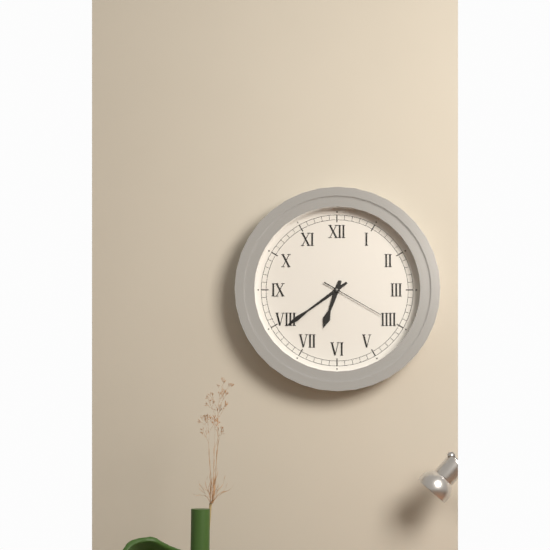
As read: 6h39m20s
